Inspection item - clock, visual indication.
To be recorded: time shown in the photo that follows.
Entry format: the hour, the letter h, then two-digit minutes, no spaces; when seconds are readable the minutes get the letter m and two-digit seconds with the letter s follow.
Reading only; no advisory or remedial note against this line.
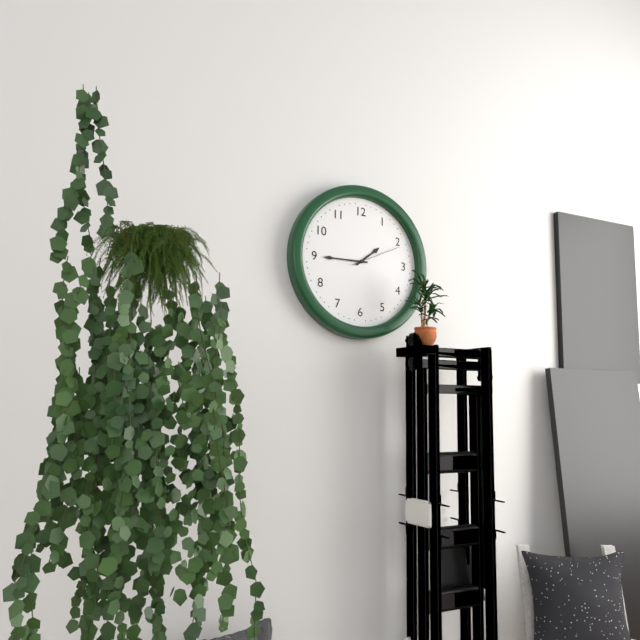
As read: 1h45m11s
